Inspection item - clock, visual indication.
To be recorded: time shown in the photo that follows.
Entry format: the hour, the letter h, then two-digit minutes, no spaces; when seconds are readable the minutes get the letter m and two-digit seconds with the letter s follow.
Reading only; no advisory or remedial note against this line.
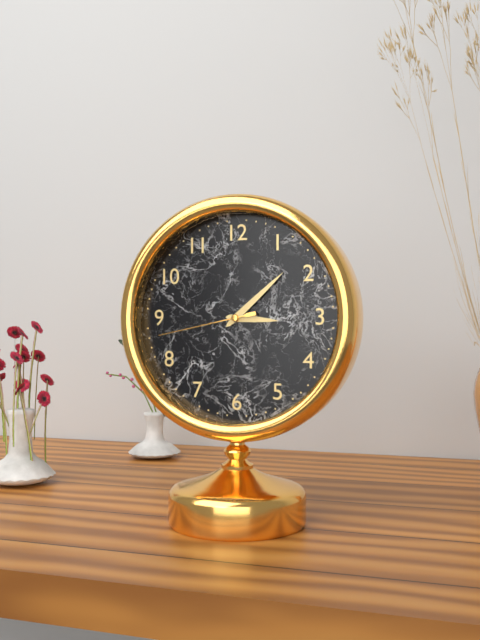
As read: 3h08m43s
